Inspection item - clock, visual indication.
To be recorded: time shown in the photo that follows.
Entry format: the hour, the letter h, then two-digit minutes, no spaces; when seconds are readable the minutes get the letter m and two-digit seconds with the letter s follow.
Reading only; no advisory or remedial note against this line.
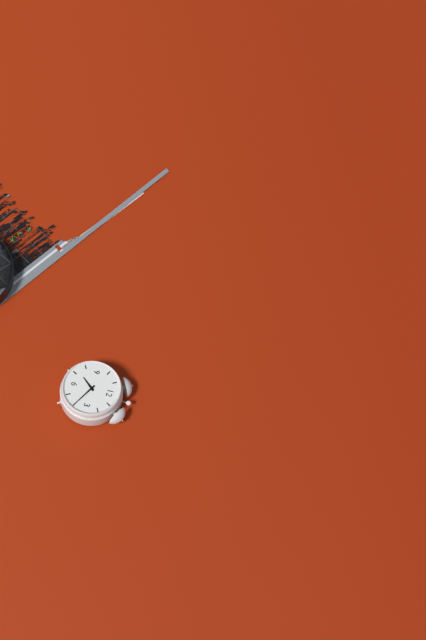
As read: 7h20
